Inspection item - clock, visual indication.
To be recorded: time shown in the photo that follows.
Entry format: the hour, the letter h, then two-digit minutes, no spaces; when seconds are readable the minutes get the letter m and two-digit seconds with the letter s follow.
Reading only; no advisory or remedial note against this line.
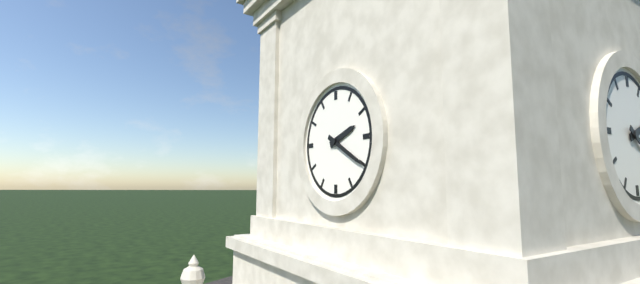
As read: 2h20
